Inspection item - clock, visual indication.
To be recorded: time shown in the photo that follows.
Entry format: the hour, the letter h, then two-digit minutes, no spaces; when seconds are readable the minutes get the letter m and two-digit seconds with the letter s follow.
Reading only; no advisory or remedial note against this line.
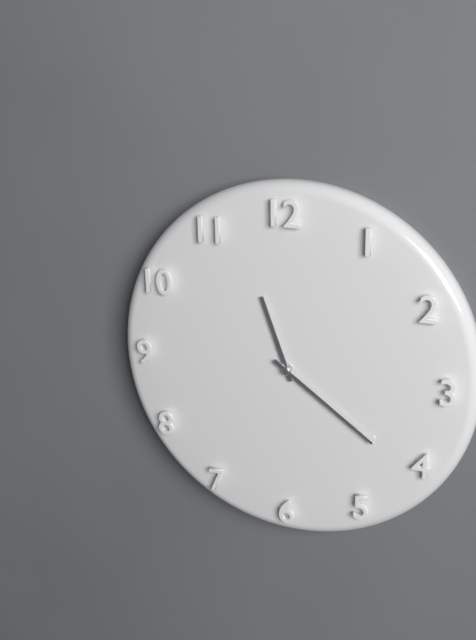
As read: 11h21
